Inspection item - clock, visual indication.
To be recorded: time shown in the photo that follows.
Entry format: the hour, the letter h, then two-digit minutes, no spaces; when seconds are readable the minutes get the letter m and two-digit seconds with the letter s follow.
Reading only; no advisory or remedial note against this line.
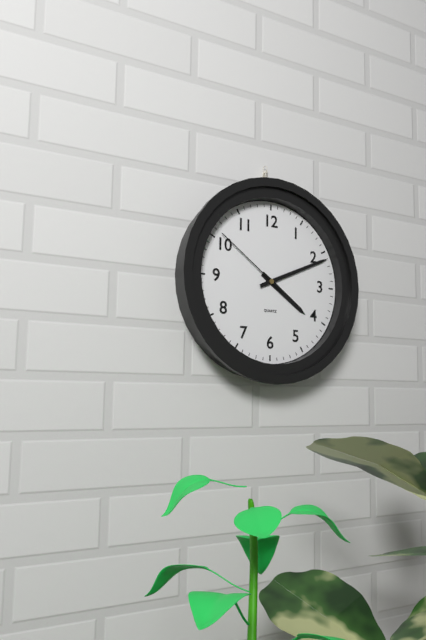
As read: 4h11m51s
